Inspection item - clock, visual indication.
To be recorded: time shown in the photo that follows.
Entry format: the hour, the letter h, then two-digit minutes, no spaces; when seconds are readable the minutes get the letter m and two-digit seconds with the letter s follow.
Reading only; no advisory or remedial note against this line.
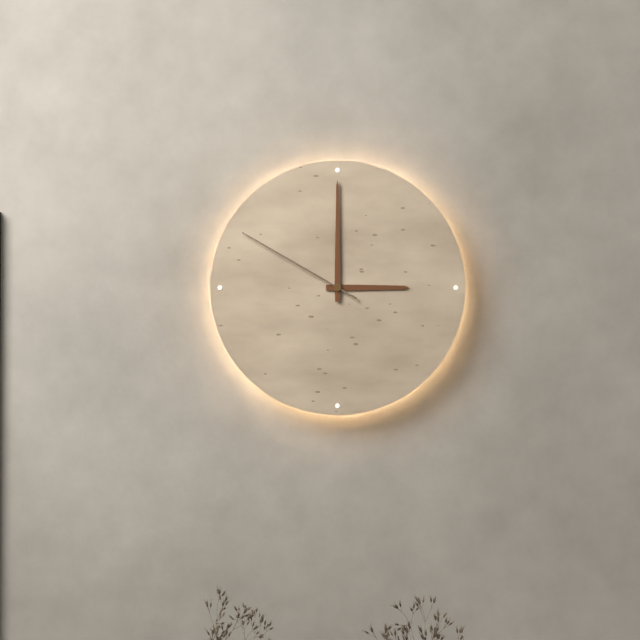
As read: 3h00m50s
